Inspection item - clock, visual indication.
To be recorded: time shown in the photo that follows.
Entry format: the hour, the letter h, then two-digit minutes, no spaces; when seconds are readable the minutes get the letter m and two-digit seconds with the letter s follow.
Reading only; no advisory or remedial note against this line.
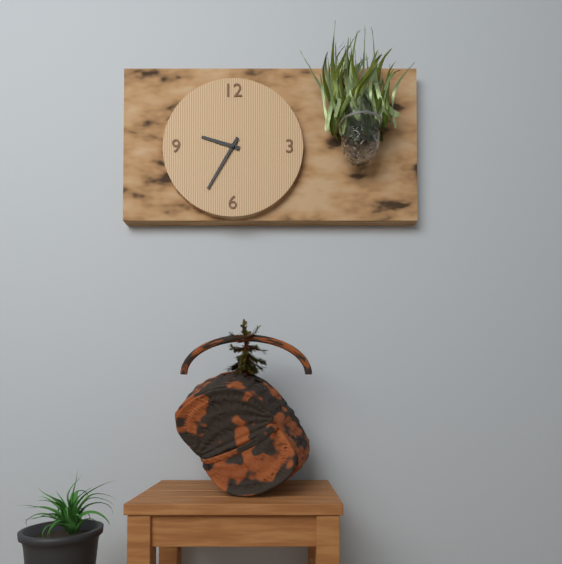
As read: 9h35
